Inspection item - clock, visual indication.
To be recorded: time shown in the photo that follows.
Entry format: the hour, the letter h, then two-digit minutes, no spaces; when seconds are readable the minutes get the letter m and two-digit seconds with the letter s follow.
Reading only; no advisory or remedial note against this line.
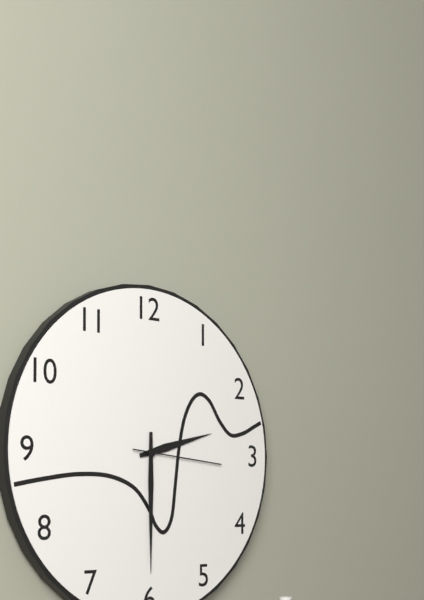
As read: 2h30m16s
